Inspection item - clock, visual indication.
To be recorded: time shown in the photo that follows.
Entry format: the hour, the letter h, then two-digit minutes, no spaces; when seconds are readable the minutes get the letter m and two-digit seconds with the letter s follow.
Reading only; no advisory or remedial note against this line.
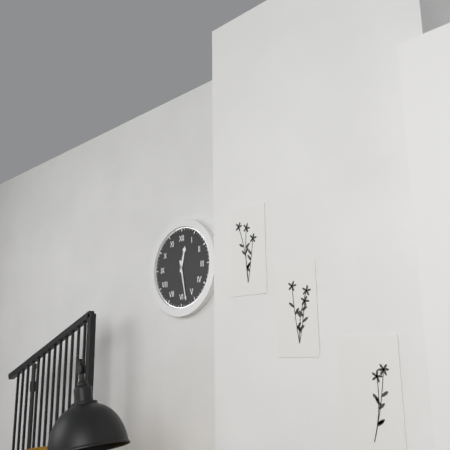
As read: 12h28
